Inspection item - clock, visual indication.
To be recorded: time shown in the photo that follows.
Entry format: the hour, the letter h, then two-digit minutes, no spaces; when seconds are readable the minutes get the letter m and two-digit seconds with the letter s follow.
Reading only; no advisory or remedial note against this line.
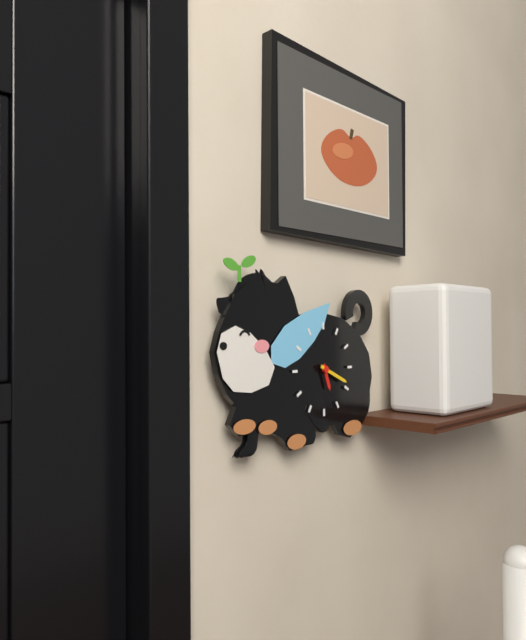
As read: 5h19
